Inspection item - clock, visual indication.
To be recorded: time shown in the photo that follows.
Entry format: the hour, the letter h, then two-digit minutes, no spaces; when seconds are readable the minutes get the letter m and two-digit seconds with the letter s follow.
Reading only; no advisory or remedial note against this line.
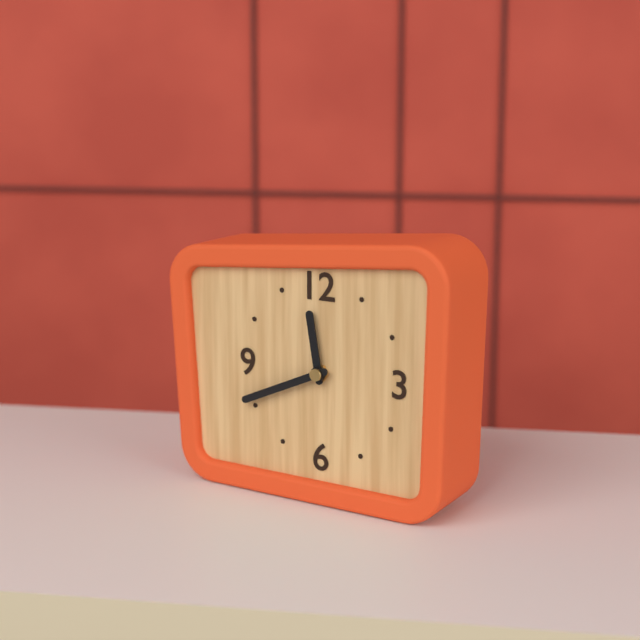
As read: 11h41
